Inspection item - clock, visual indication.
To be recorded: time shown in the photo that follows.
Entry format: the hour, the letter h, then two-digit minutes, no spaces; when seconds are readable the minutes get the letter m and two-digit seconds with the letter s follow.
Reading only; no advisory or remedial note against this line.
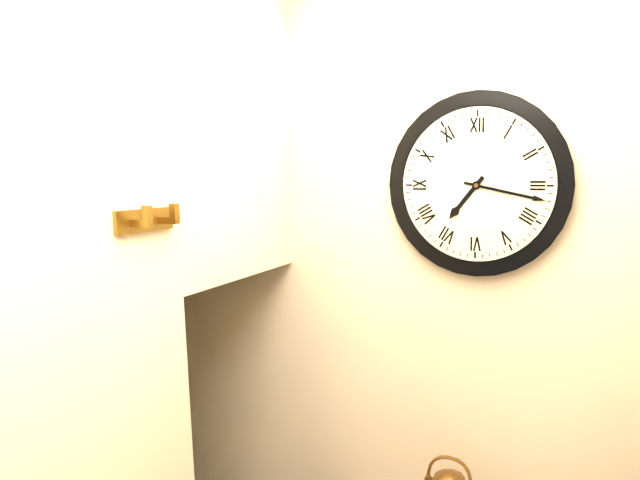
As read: 7h17
